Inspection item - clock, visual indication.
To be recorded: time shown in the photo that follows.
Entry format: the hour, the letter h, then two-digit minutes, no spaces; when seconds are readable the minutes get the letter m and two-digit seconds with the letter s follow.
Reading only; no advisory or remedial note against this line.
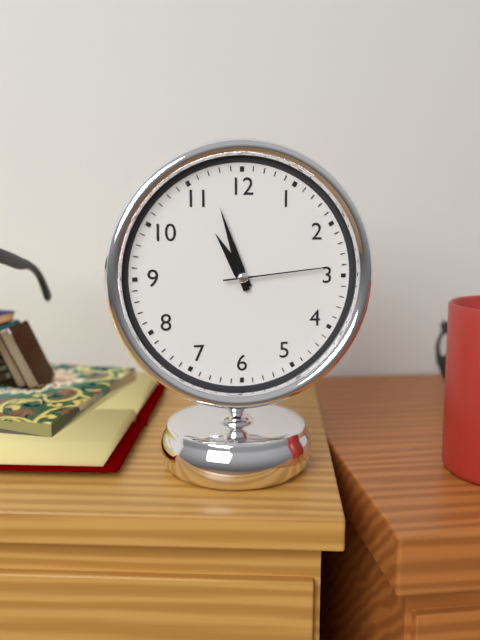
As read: 10h57m14s
